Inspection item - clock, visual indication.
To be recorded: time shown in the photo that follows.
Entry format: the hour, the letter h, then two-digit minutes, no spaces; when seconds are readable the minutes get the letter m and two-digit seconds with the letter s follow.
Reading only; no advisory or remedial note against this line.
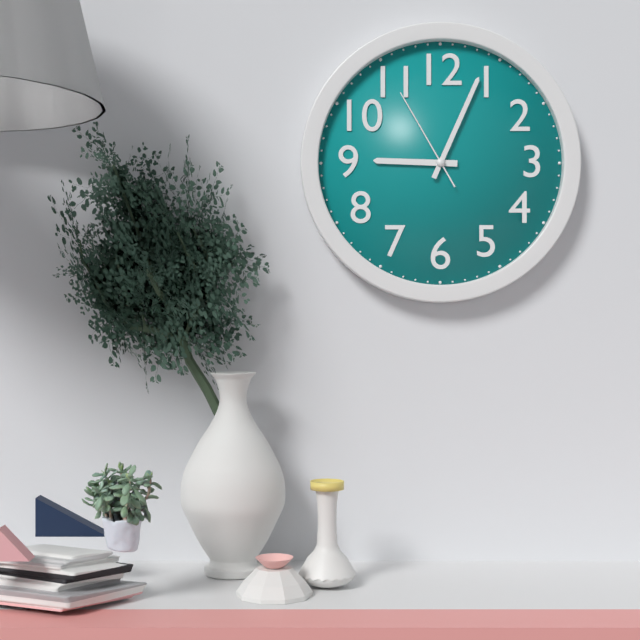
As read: 9h04m55s
